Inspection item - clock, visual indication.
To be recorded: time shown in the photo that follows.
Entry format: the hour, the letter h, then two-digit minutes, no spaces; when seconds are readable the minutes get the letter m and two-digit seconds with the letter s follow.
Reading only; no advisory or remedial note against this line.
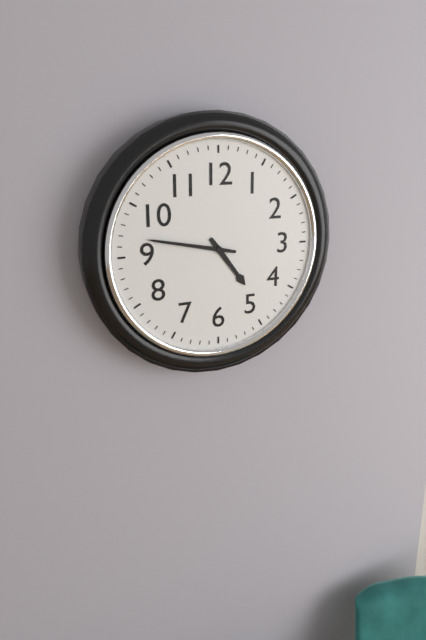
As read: 4h47
